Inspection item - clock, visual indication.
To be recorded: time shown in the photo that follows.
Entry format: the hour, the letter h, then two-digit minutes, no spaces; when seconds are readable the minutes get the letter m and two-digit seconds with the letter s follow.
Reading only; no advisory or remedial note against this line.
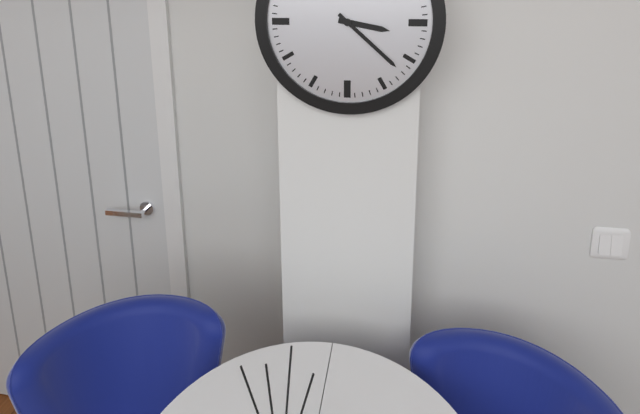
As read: 3h22
